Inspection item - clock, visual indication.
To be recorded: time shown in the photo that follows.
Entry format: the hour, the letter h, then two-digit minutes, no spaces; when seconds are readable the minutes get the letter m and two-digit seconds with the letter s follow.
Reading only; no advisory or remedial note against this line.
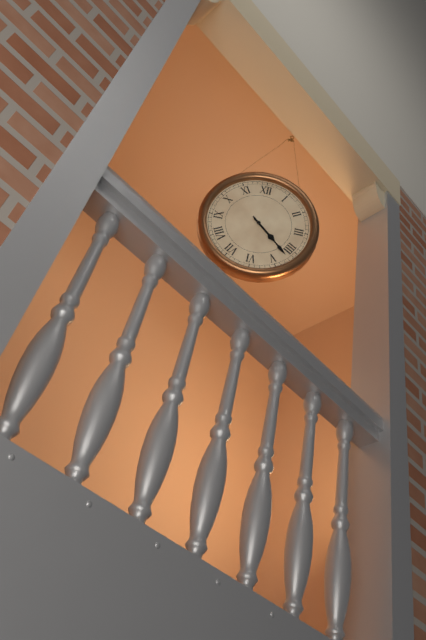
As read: 4h22
